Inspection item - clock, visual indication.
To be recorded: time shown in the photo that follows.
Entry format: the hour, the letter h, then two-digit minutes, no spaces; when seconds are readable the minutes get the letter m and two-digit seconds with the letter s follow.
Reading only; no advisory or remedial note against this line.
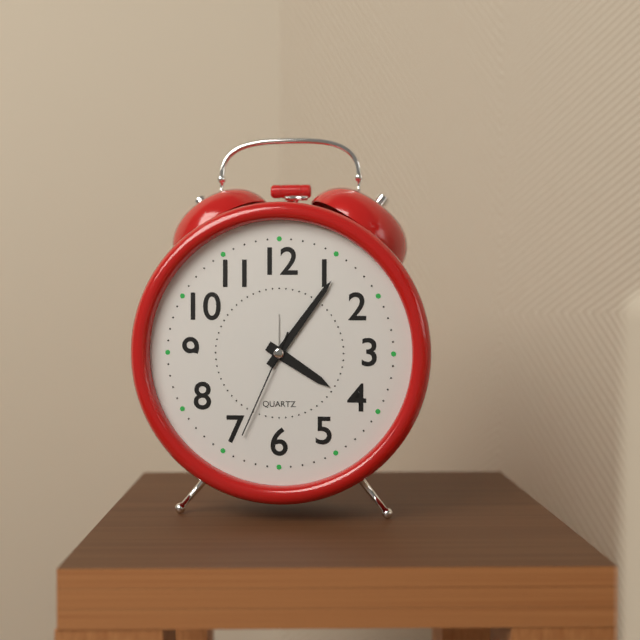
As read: 4h06m34s
